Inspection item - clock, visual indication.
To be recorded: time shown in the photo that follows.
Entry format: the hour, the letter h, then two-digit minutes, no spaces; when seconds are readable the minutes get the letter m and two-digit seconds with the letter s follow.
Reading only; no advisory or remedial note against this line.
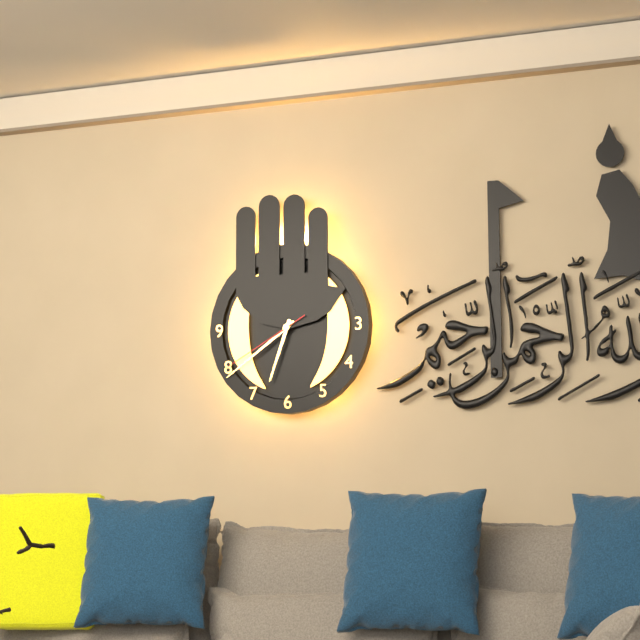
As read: 6h39m40s
